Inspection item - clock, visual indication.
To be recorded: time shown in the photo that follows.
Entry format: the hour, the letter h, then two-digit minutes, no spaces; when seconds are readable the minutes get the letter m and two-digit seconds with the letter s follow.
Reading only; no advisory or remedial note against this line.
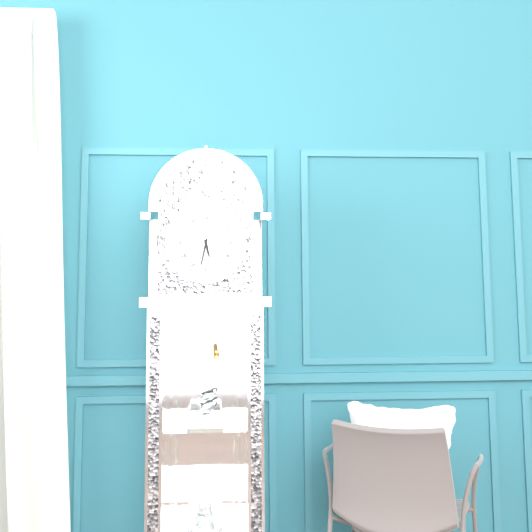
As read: 5h32
